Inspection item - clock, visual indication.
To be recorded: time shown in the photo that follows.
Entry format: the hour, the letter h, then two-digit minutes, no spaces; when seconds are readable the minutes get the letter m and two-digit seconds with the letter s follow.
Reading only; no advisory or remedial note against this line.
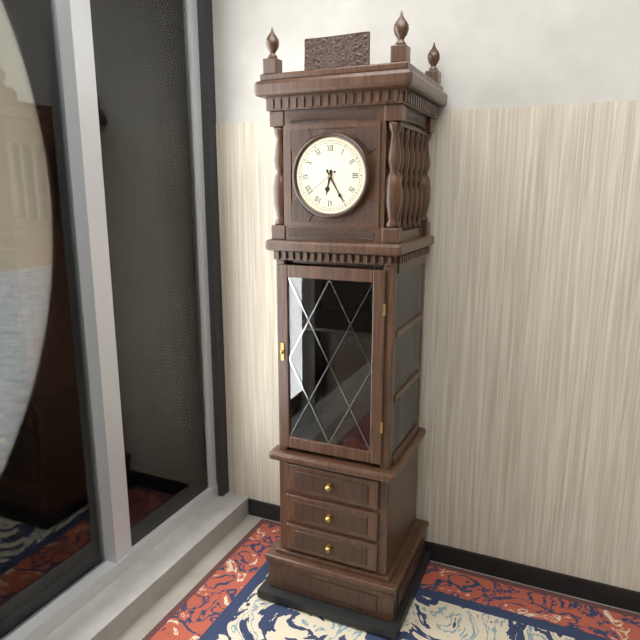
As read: 6h25
